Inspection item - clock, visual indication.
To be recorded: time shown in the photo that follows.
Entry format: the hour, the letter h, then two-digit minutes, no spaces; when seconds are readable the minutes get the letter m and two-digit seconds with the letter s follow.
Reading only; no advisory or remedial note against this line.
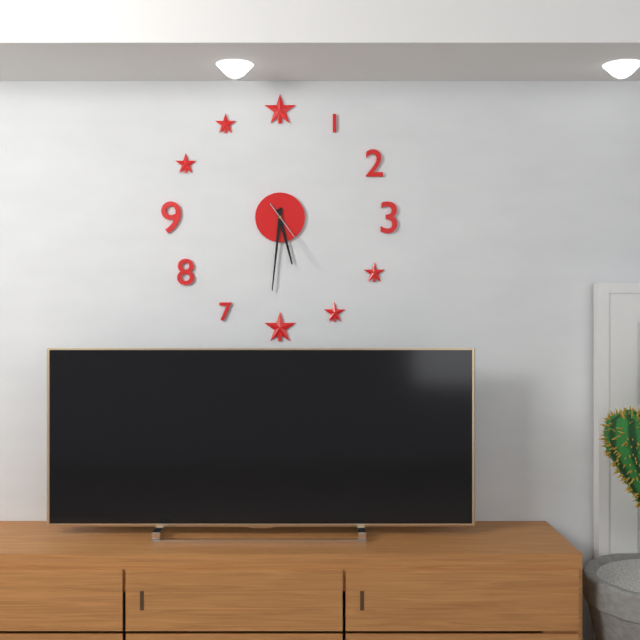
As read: 5h31m24s
